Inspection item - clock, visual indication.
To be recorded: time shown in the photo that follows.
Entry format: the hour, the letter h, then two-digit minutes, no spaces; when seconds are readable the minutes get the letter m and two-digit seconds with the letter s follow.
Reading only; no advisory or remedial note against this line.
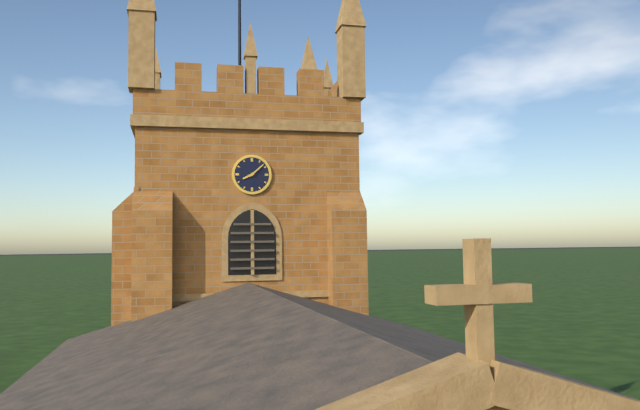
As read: 8h08
